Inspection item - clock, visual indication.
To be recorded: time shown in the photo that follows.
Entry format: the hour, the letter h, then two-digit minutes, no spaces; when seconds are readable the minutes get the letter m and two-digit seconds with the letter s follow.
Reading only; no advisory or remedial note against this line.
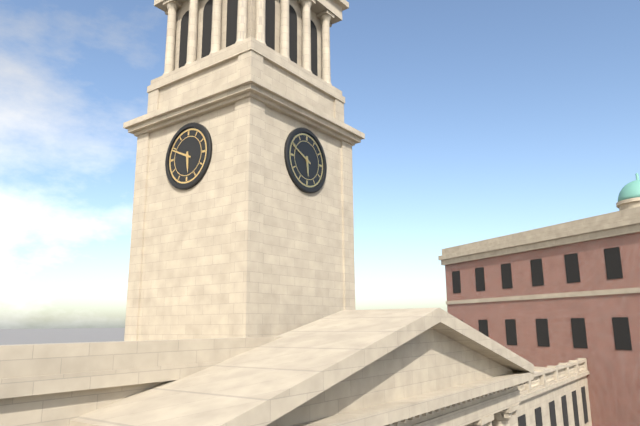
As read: 5h49
